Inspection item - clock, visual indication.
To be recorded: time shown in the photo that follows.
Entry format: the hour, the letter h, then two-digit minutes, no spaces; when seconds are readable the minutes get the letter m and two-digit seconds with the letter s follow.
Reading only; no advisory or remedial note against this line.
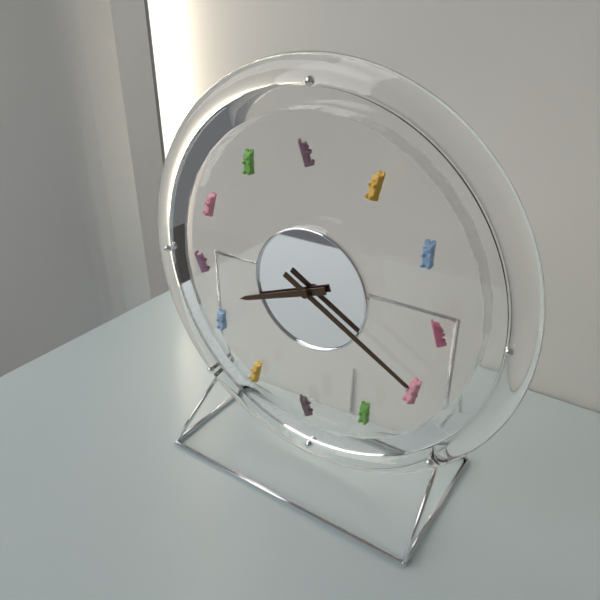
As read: 8h20
